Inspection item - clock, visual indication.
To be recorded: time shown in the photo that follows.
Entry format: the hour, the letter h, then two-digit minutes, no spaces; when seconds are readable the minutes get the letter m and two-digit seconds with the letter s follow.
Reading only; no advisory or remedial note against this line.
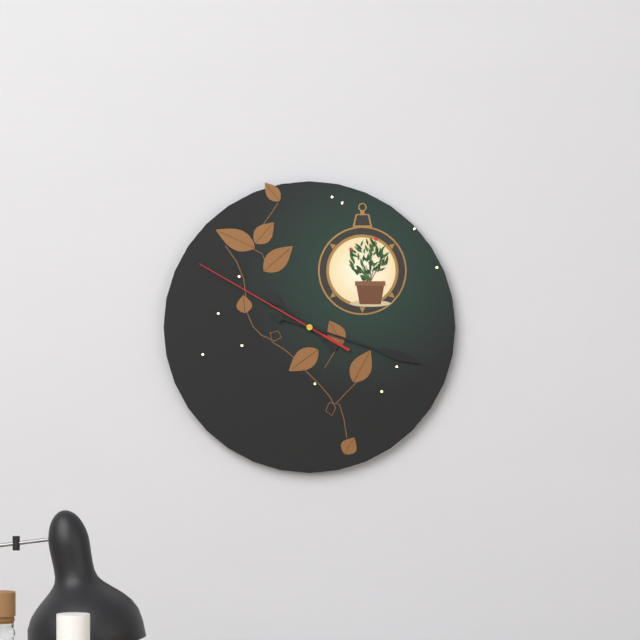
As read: 10h18m50s
